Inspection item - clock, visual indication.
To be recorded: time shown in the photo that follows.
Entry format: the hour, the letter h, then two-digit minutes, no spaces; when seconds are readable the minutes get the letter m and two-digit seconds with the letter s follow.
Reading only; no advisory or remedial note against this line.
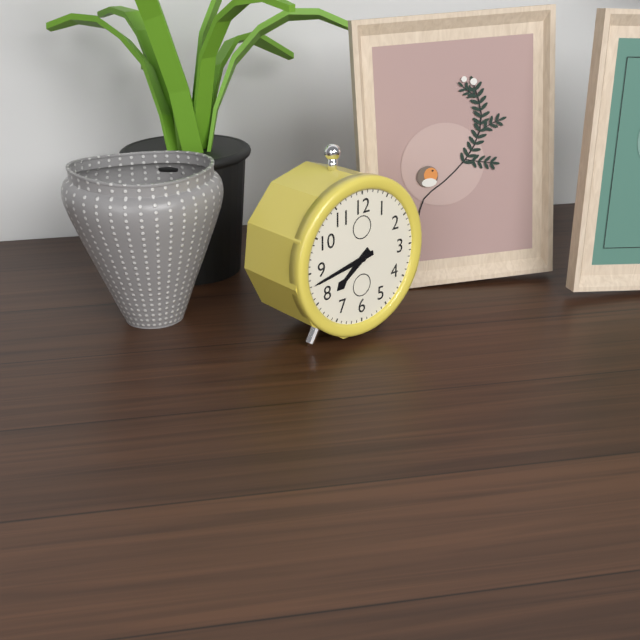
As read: 7h43
